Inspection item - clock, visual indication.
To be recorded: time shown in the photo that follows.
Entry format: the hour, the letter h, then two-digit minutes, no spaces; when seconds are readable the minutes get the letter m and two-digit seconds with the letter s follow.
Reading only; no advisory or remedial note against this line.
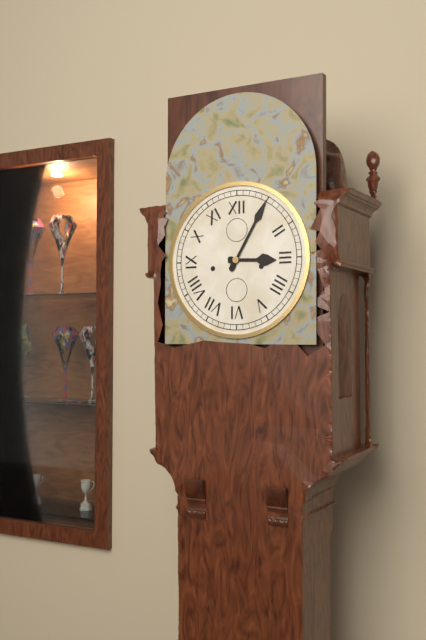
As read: 3h05
